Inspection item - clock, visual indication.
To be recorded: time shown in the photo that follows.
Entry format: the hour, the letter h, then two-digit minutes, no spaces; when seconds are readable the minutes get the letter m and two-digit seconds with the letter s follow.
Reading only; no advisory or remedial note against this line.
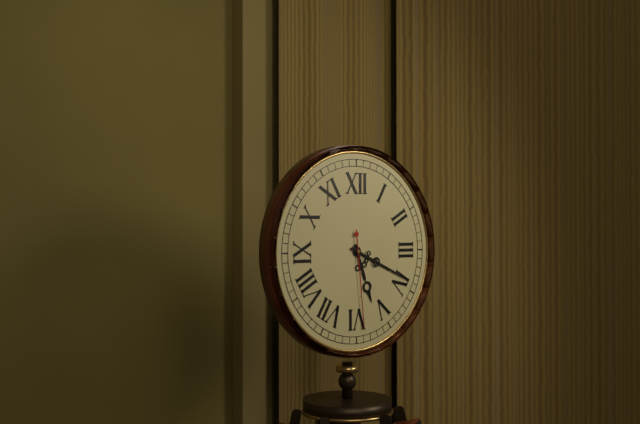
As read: 5h19m29s
